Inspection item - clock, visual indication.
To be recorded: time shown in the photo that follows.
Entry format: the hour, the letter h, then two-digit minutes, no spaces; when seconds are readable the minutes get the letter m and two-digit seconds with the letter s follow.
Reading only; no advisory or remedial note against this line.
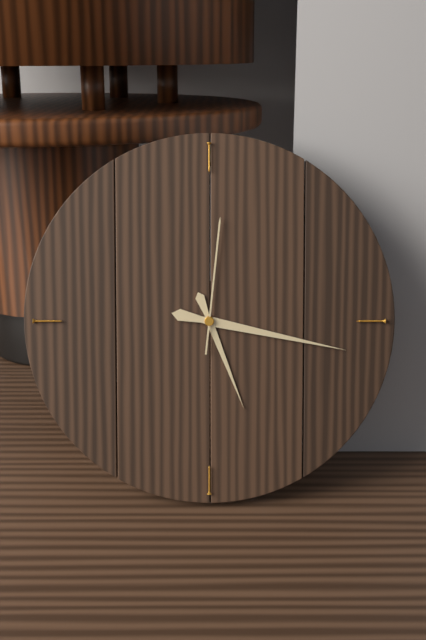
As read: 5h17m01s
